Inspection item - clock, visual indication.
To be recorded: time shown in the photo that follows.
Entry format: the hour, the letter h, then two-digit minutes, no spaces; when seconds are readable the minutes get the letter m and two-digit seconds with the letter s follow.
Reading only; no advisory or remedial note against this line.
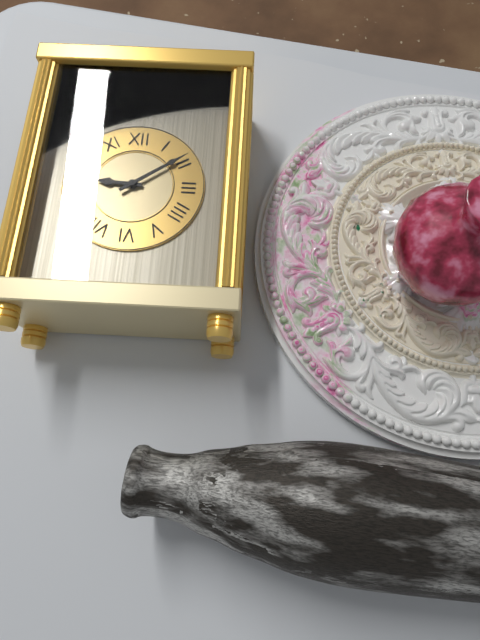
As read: 9h09
